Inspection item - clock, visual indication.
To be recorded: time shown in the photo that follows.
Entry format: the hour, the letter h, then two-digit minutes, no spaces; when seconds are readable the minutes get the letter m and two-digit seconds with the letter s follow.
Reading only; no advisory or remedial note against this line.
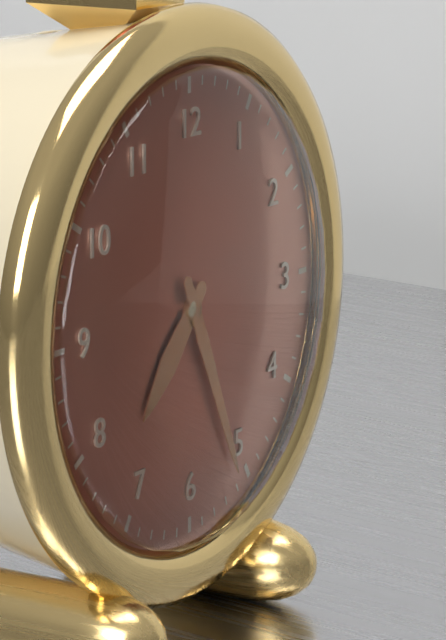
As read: 7h26
